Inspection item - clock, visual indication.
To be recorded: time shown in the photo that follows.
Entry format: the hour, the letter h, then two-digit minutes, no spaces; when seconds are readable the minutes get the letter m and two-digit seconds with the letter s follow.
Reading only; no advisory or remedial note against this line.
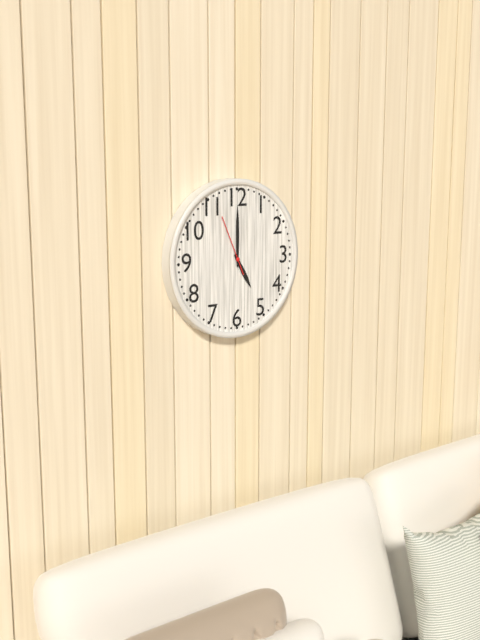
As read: 5h00m56s
